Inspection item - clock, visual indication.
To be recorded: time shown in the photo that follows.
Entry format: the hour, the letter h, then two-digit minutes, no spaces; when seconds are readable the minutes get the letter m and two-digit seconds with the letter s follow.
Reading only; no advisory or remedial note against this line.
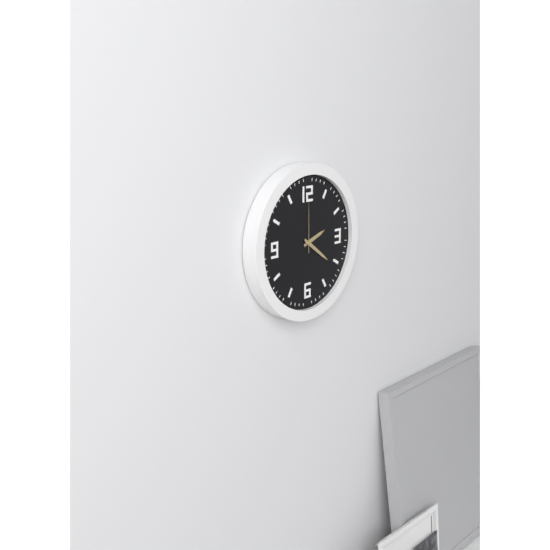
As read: 2h21m00s
